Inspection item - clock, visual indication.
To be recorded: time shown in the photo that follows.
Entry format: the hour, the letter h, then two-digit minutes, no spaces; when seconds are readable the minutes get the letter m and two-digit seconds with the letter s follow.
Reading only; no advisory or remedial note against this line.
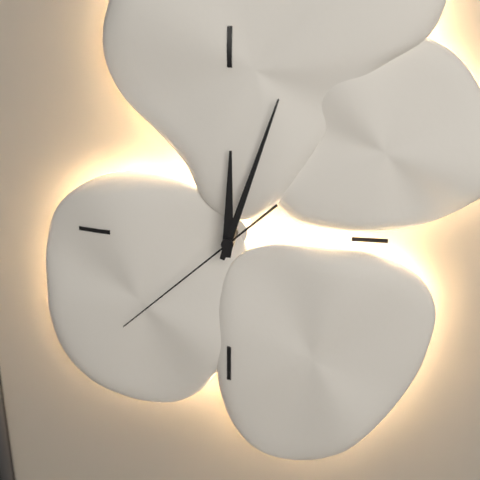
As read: 12h03m38s
